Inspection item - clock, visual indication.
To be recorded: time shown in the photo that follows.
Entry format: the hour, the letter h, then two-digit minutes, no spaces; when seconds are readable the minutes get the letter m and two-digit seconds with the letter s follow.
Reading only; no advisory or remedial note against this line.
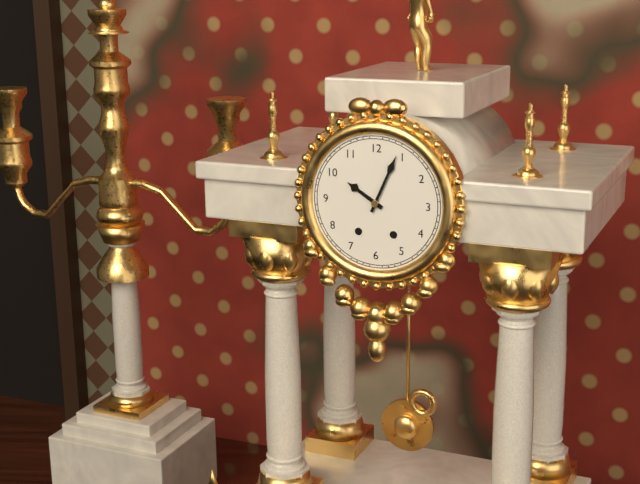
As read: 10h04
